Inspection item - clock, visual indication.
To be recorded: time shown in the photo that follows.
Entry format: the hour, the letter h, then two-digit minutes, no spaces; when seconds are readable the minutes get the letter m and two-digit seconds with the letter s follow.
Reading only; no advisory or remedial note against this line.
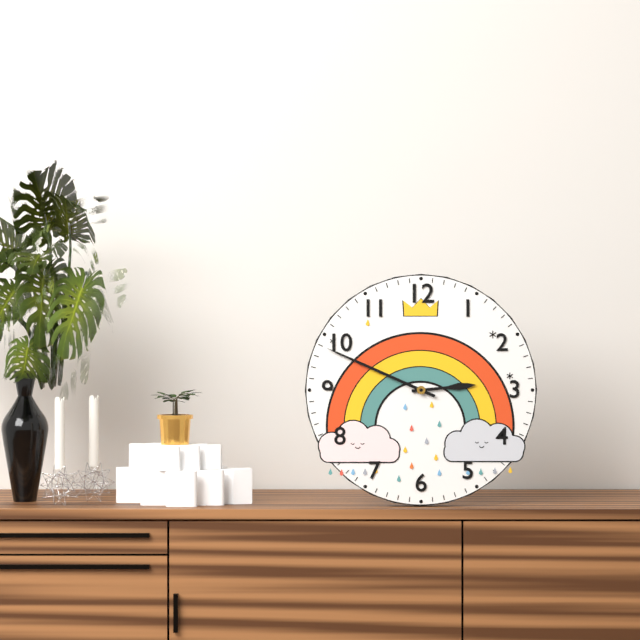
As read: 2h49
